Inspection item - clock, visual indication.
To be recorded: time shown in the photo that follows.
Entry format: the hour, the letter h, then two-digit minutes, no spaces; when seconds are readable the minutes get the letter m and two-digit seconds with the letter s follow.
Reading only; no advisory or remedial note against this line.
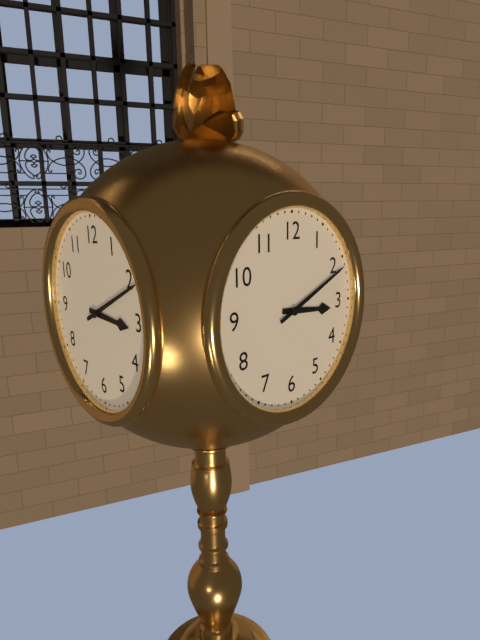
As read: 3h11
